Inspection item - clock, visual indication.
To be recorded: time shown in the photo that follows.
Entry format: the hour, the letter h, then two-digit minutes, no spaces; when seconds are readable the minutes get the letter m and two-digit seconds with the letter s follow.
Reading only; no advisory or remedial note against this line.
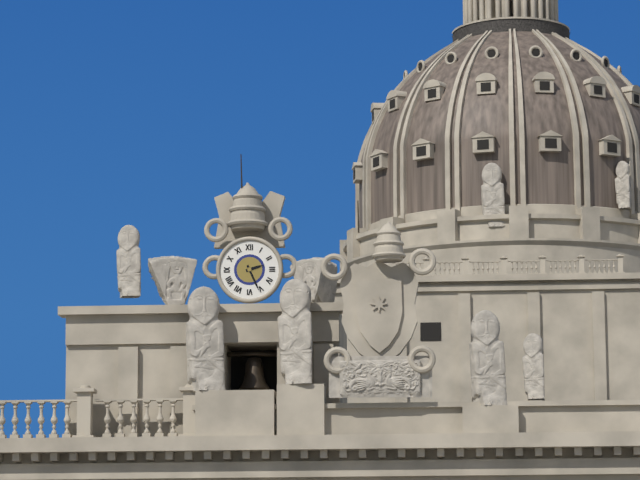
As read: 2h26
